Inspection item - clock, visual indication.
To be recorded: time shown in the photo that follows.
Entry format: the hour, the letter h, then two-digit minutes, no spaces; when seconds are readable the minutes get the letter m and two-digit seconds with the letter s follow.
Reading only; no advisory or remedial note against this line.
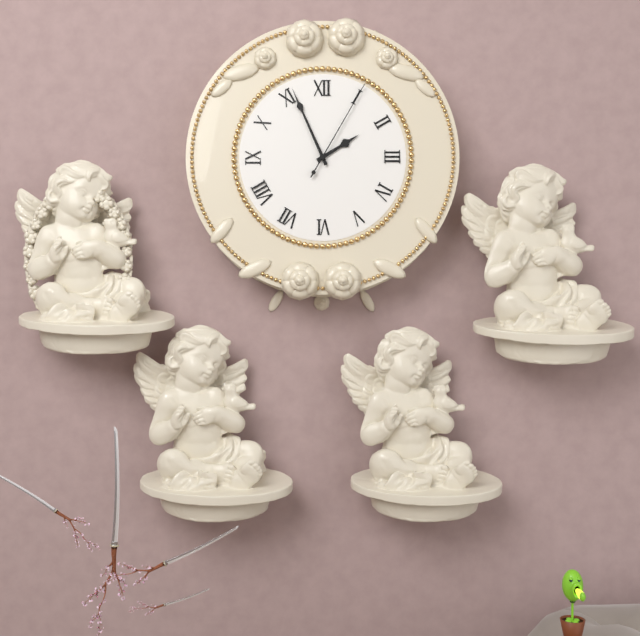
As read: 1h56m05s
